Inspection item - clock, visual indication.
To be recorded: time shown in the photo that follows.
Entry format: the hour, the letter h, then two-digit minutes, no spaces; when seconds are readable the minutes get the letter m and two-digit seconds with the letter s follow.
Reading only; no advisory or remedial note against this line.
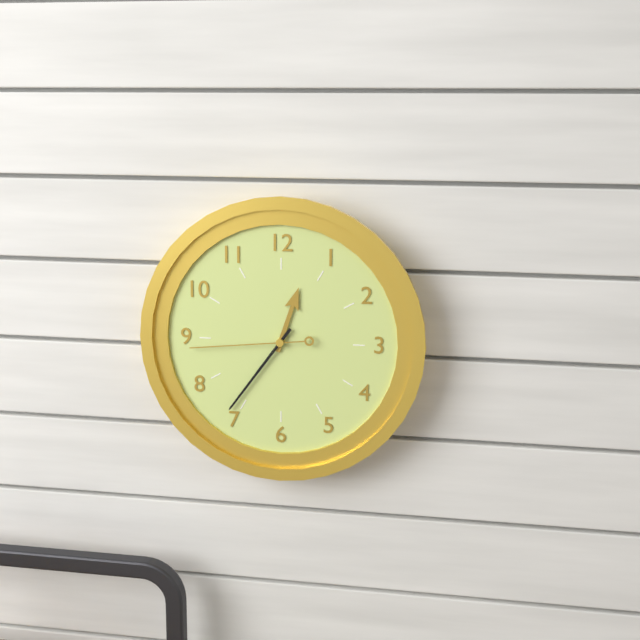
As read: 12h36m44s
